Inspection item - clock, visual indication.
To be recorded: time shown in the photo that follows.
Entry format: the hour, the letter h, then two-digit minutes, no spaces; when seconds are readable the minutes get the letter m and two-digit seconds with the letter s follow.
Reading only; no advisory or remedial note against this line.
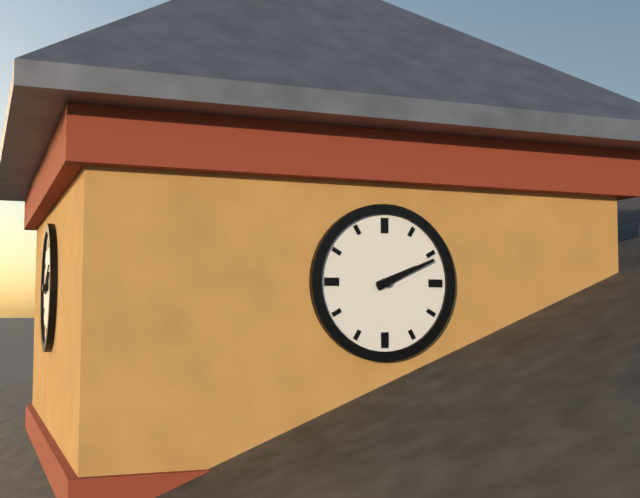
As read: 2h11
